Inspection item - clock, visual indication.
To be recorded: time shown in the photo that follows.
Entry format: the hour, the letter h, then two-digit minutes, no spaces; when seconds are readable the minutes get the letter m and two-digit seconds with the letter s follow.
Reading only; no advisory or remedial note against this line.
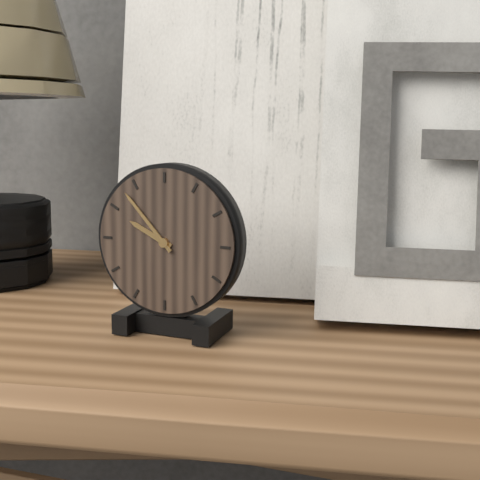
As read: 9h53
